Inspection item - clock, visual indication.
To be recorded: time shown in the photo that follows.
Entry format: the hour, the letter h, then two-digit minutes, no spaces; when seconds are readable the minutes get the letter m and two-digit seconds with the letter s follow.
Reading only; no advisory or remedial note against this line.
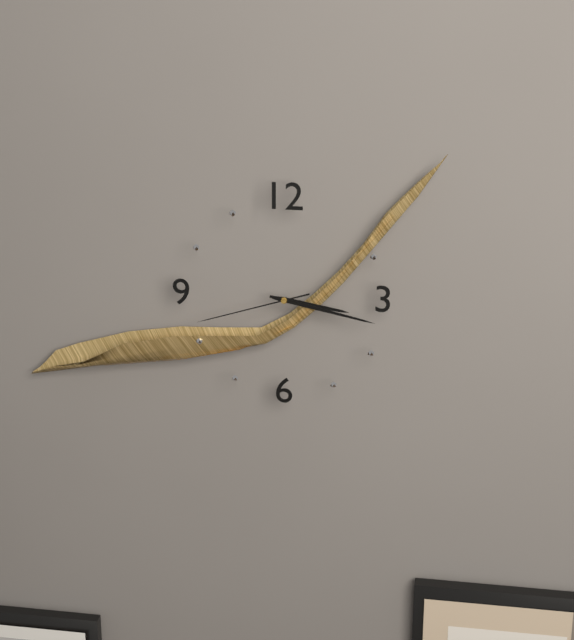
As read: 3h17m42s
